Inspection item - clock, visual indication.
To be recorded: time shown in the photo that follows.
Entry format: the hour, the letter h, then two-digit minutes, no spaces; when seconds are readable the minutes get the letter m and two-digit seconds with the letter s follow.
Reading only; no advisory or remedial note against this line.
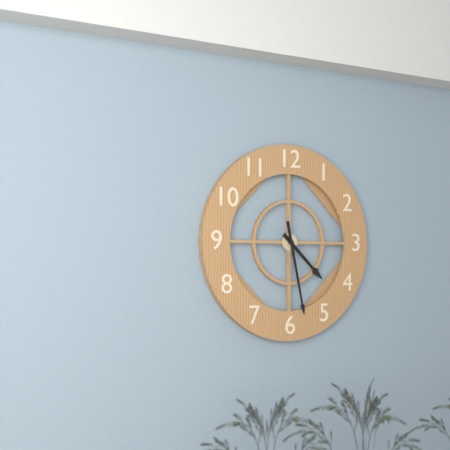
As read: 4h28
